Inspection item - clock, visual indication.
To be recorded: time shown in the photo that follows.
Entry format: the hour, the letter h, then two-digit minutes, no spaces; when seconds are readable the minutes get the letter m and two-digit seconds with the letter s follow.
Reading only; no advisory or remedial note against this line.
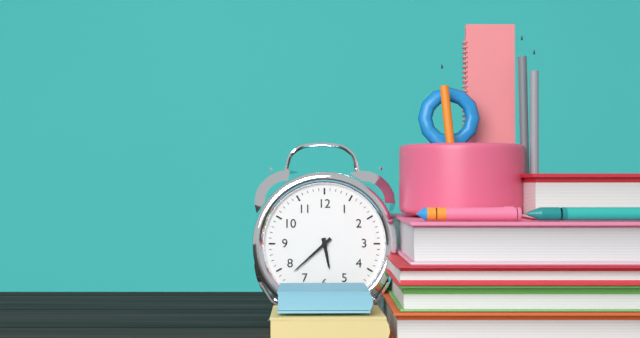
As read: 5h38
